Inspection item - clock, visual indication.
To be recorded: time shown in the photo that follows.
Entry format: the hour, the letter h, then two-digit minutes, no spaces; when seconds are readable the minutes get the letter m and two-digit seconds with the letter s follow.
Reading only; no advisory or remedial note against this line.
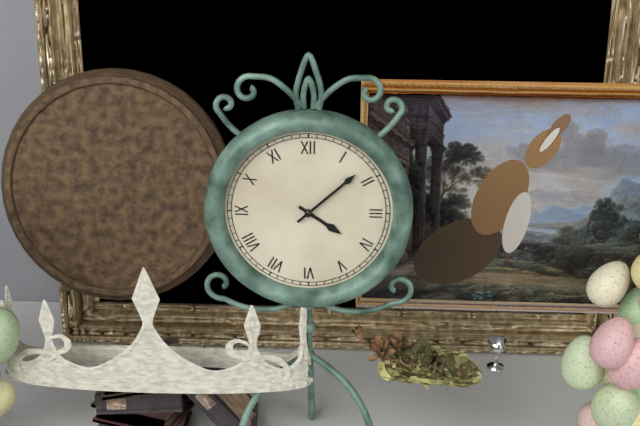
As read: 4h08
